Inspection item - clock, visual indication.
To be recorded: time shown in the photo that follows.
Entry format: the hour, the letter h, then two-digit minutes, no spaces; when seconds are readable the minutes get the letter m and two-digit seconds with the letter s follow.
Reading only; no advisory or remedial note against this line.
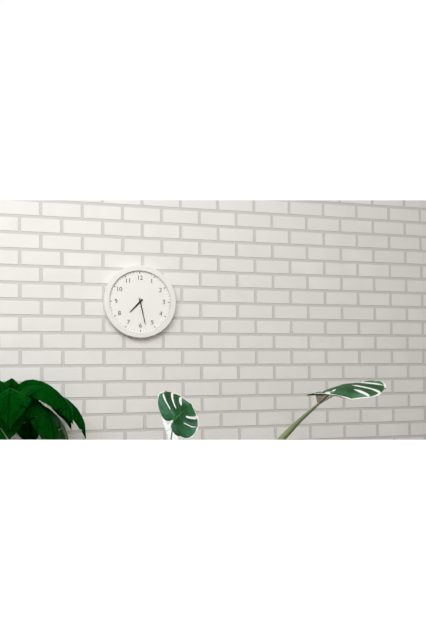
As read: 7h28
